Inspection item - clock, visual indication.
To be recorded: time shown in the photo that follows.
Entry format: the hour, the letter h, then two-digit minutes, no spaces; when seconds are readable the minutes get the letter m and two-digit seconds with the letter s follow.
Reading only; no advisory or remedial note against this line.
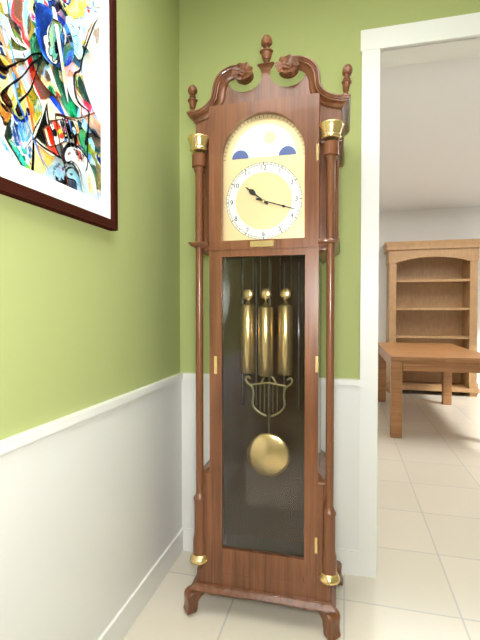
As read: 10h18
